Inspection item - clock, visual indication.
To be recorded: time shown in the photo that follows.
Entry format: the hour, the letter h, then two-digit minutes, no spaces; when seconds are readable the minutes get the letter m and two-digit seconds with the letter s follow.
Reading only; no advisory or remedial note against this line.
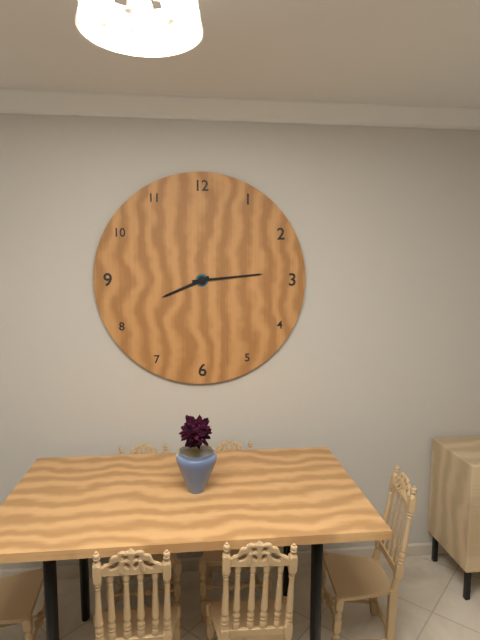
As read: 8h14
